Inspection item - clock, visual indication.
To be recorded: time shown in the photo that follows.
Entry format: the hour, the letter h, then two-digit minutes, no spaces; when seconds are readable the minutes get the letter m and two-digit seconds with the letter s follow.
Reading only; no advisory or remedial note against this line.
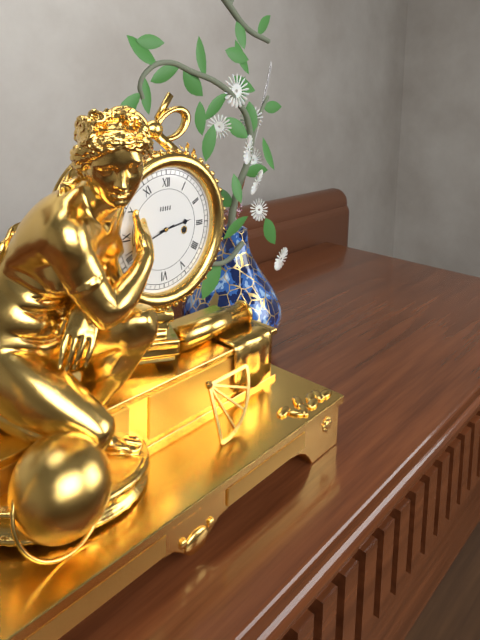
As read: 2h42
